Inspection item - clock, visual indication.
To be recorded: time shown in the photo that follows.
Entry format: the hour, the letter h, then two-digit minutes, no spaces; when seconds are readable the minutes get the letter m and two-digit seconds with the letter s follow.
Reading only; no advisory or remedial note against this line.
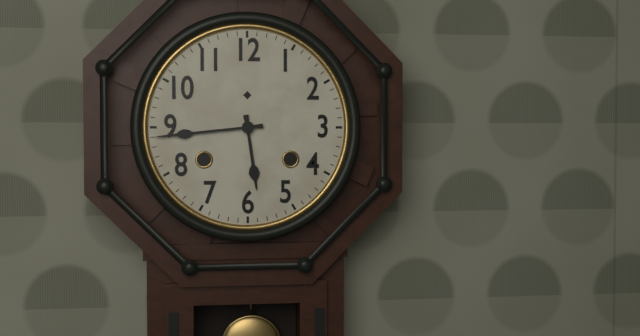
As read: 5h44
